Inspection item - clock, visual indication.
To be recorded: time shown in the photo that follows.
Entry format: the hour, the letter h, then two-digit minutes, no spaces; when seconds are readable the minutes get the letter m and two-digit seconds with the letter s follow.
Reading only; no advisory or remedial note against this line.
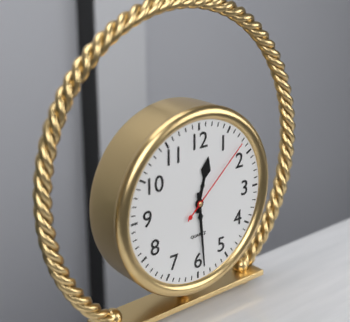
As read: 12h29m08s
